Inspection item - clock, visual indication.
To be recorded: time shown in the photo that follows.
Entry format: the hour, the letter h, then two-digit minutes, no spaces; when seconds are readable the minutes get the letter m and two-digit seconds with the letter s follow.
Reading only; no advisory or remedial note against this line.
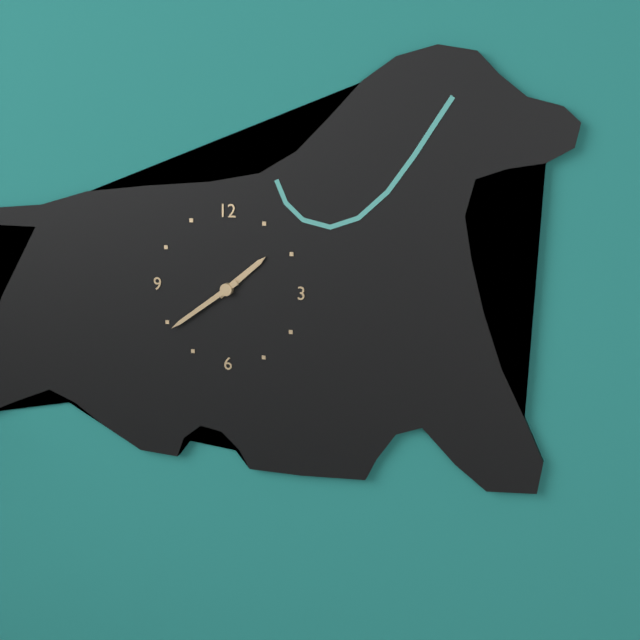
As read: 1h39
